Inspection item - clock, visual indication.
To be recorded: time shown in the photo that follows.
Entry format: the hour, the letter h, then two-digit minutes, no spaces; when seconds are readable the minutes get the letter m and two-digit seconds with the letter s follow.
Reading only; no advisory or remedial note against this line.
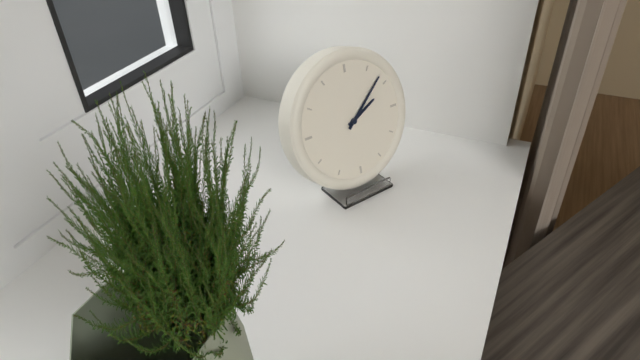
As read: 2h08
